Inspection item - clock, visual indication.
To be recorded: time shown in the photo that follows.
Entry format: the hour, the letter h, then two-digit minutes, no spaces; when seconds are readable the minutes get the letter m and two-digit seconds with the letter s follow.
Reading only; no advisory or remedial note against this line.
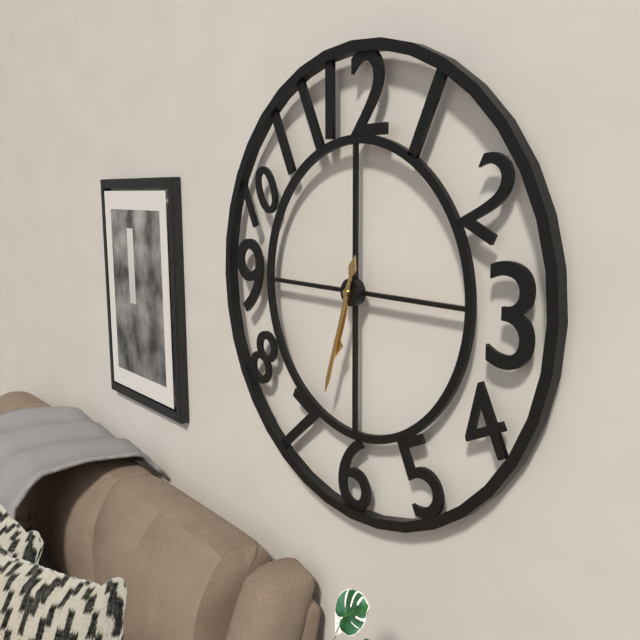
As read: 6h33
